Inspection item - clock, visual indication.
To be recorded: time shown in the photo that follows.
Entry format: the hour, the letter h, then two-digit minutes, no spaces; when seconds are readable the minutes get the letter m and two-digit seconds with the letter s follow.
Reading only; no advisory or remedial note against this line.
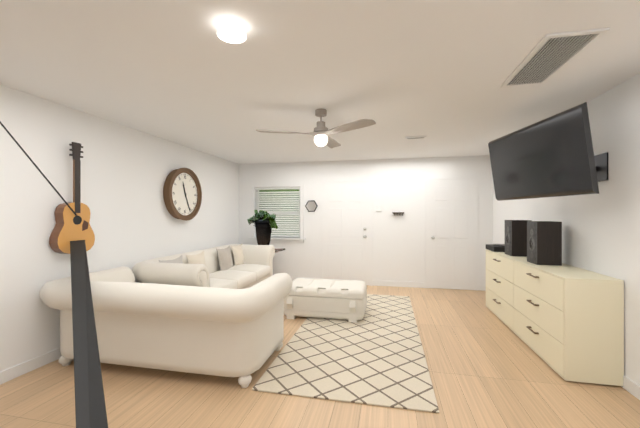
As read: 11h26
